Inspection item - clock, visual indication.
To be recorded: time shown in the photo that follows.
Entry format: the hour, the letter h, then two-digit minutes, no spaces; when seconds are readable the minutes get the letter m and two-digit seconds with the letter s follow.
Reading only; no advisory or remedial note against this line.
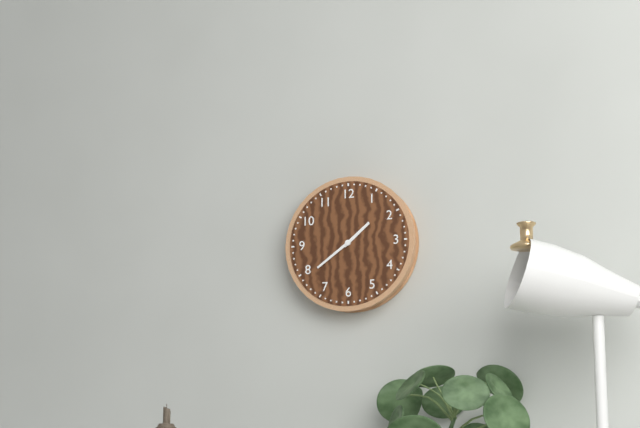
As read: 1h39
